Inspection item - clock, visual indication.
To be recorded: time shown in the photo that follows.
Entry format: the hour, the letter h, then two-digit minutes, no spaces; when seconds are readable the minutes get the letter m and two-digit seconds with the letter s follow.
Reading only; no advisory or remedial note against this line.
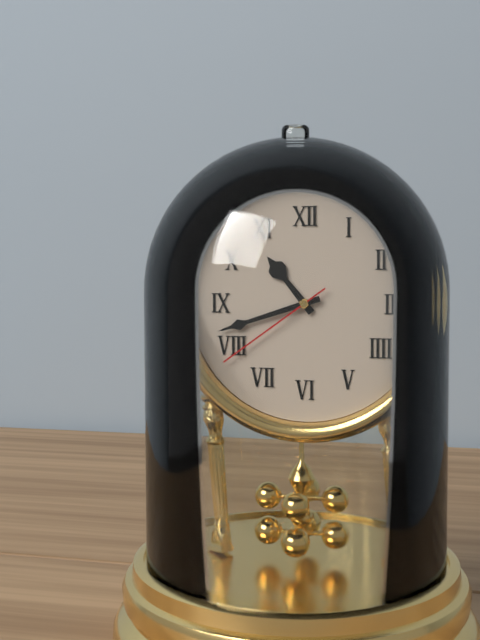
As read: 10h42m39s
